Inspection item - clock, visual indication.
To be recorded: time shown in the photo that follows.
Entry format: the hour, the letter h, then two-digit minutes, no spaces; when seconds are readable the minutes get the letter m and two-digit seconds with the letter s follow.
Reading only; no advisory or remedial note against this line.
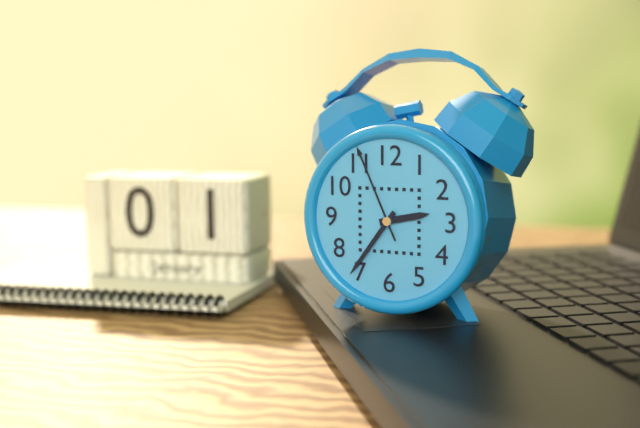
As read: 2h36m56s
